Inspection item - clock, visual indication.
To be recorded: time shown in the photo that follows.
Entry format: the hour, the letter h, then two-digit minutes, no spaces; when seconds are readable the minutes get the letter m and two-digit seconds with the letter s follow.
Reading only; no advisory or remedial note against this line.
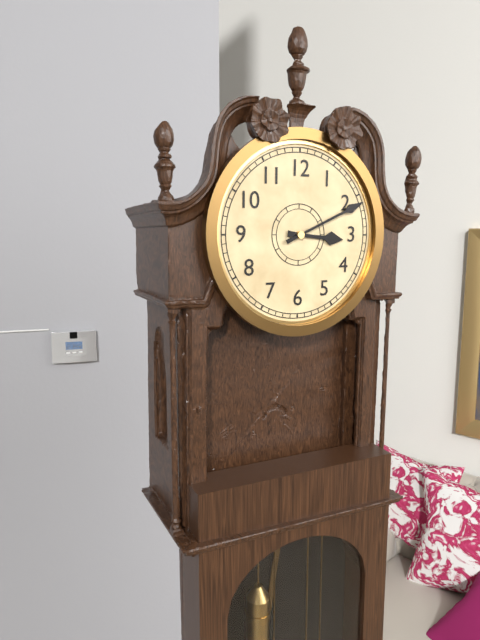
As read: 3h11
